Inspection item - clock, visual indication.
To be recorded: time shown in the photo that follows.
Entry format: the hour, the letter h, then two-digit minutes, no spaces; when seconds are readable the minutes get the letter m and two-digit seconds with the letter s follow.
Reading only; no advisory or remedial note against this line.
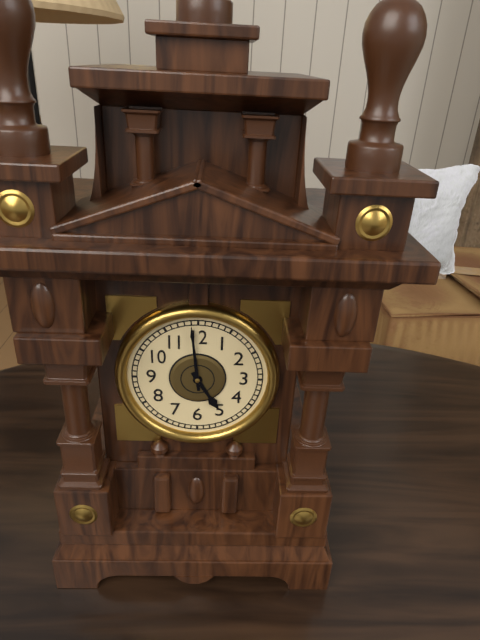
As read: 4h59
